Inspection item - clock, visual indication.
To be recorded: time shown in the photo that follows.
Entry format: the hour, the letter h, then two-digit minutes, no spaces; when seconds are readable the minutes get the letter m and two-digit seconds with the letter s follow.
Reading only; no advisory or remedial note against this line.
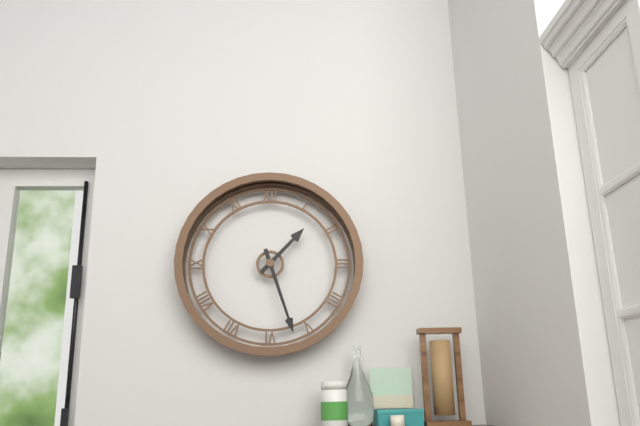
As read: 1h27
